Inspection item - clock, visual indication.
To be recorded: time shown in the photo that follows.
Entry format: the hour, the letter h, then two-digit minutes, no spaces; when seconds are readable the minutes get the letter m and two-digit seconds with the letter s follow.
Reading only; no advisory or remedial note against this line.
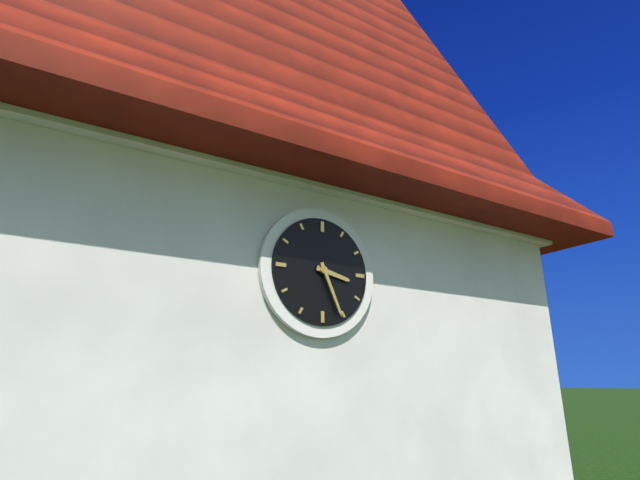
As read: 3h26
